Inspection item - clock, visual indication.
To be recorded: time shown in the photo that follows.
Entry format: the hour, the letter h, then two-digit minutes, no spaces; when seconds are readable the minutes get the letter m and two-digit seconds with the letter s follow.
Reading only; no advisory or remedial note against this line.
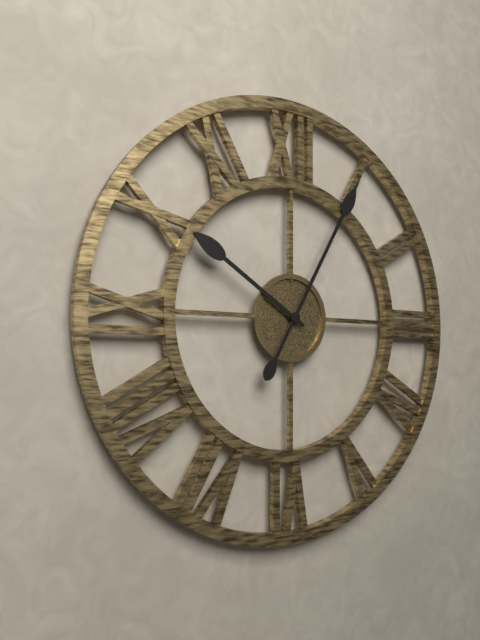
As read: 10h05
